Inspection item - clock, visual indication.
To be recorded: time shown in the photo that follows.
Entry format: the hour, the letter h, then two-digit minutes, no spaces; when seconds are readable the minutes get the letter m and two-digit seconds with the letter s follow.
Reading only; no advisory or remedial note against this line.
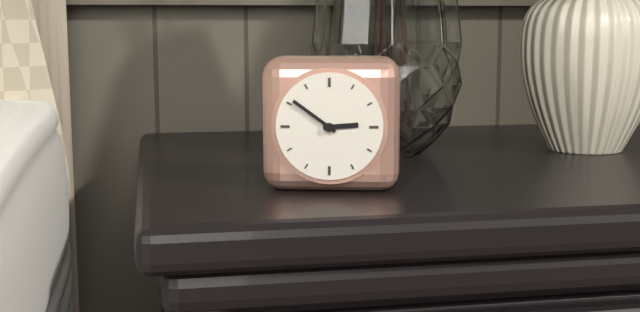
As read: 2h51
